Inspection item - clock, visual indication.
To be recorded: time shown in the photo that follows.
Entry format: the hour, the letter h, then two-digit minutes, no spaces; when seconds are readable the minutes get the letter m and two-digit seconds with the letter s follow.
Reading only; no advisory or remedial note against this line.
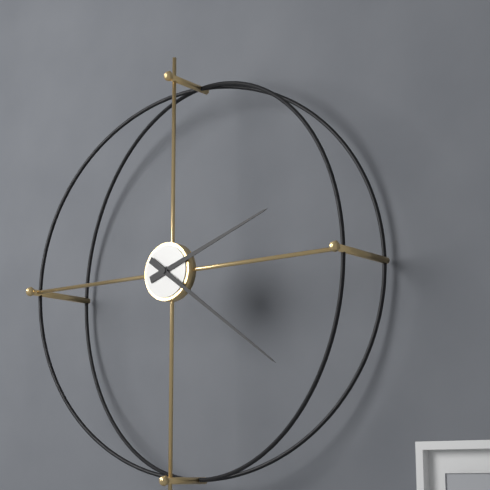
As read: 2h21
